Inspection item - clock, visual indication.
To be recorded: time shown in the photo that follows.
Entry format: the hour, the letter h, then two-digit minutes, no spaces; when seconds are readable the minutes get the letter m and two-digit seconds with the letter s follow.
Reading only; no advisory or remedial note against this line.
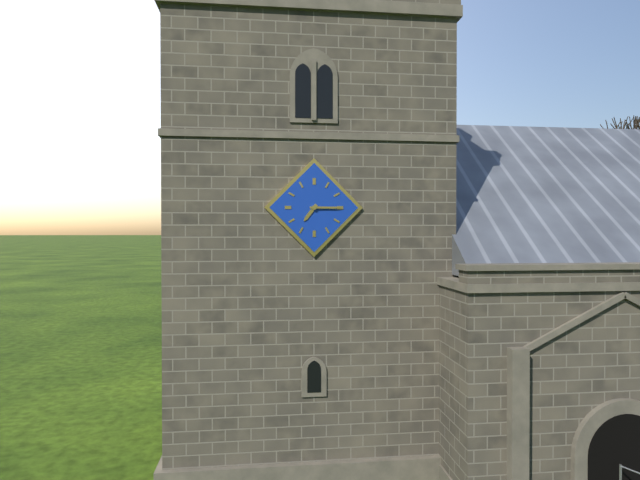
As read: 7h15
